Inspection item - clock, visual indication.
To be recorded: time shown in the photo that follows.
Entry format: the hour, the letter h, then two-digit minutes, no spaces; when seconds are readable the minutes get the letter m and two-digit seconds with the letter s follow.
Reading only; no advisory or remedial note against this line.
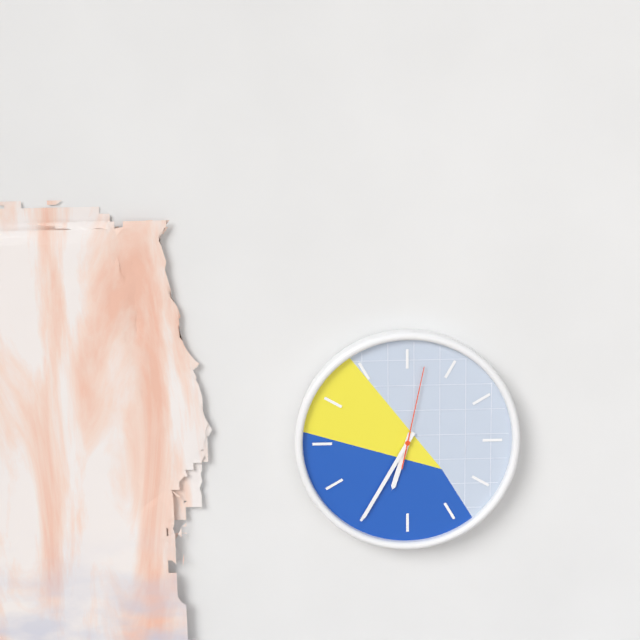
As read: 6h35m02s
